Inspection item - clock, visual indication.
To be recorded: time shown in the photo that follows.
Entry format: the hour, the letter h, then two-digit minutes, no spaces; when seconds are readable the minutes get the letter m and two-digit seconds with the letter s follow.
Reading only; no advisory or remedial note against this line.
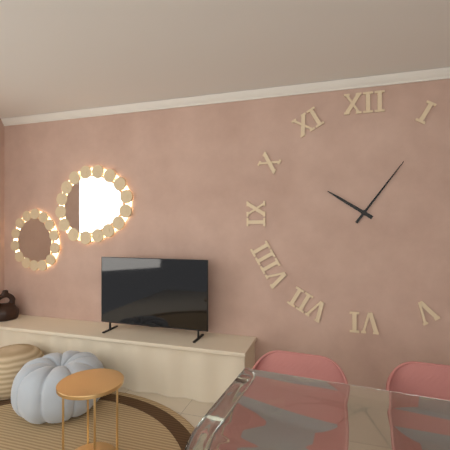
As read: 10h06
